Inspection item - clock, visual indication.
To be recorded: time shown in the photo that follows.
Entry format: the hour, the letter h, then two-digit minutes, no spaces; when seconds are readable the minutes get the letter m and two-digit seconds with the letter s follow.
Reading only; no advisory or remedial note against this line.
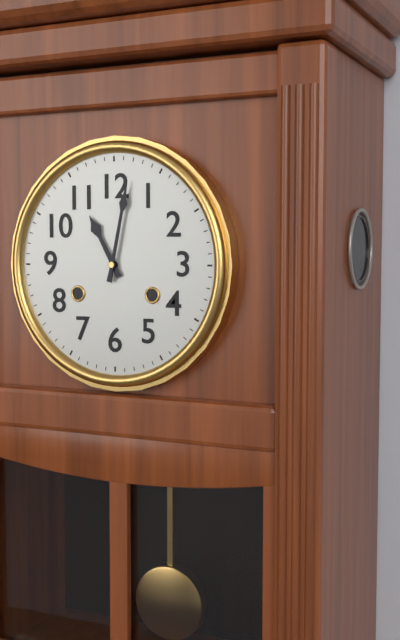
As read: 11h02
